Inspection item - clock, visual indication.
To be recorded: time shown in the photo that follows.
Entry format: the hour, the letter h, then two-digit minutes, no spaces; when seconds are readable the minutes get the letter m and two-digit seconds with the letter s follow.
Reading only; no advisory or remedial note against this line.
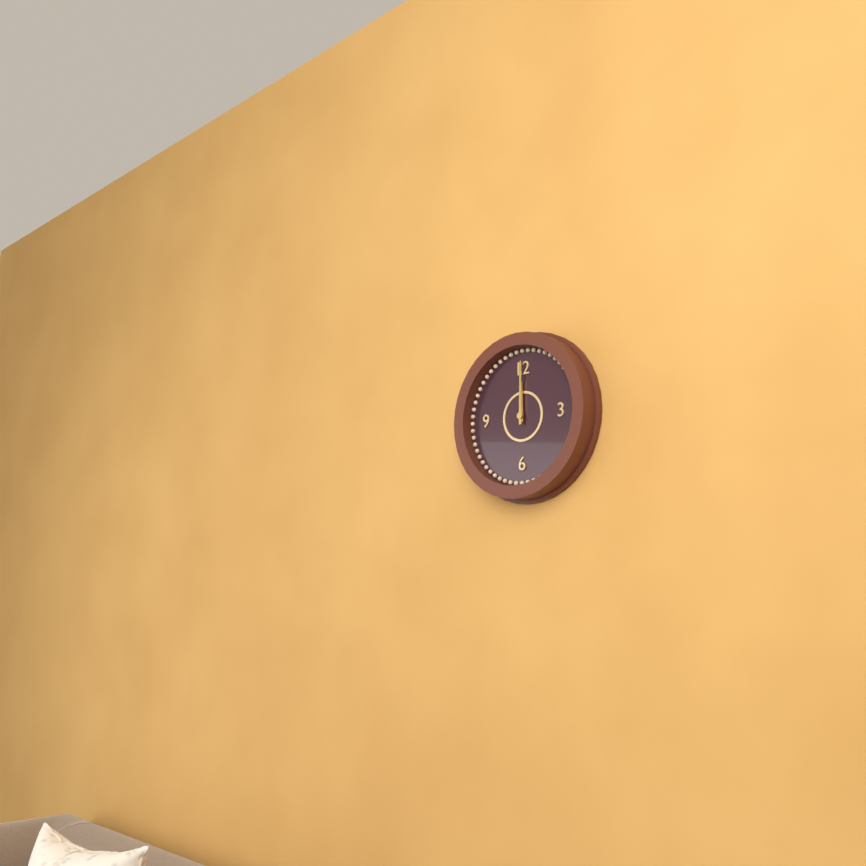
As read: 12h00
